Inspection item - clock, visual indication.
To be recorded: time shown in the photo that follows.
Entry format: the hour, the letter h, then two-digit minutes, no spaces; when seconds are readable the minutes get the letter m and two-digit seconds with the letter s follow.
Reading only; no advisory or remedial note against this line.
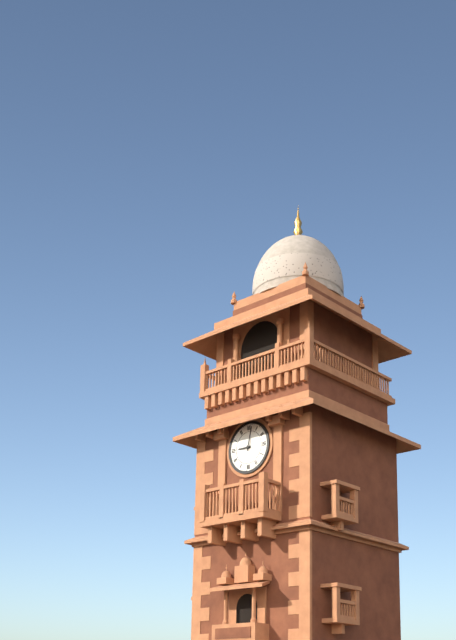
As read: 9h02
